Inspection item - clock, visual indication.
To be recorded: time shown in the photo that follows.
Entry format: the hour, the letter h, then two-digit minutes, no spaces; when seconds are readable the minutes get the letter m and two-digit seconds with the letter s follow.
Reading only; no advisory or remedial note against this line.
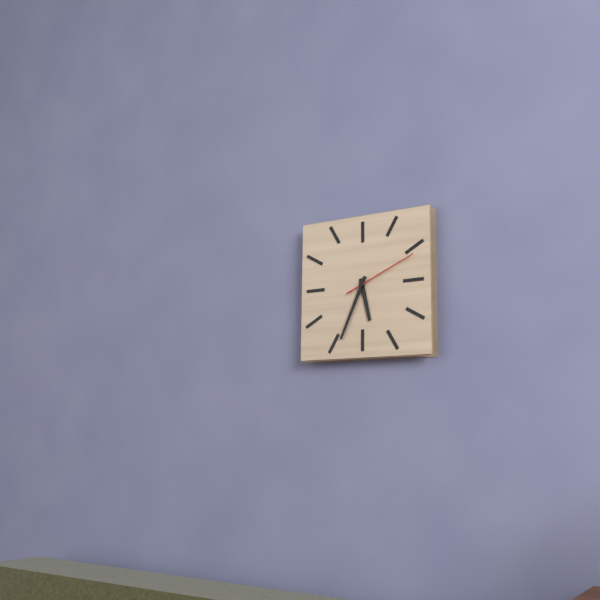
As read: 5h34m11s
